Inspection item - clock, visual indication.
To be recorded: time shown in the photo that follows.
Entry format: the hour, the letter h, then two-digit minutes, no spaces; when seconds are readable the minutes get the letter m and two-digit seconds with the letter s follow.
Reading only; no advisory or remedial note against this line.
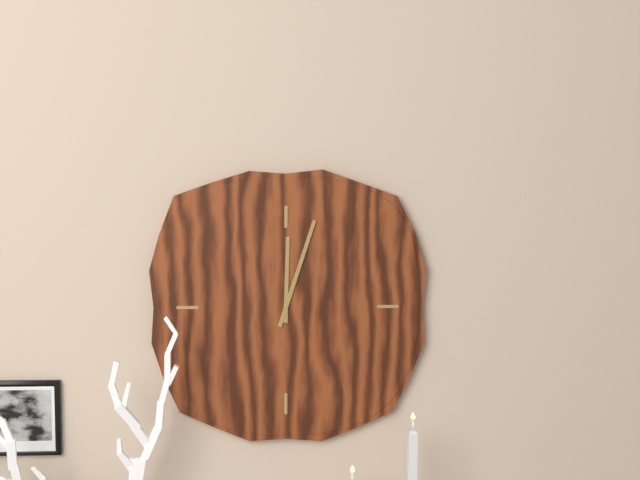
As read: 12h03
